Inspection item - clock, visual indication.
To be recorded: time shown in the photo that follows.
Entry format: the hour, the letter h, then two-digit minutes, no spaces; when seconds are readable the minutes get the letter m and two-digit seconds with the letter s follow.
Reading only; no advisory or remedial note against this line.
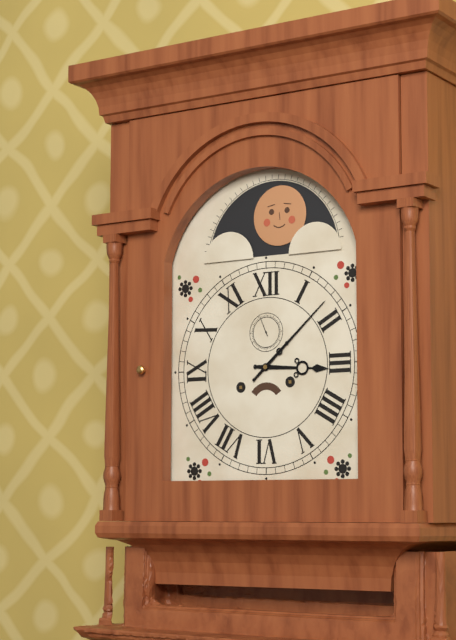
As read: 3h08
